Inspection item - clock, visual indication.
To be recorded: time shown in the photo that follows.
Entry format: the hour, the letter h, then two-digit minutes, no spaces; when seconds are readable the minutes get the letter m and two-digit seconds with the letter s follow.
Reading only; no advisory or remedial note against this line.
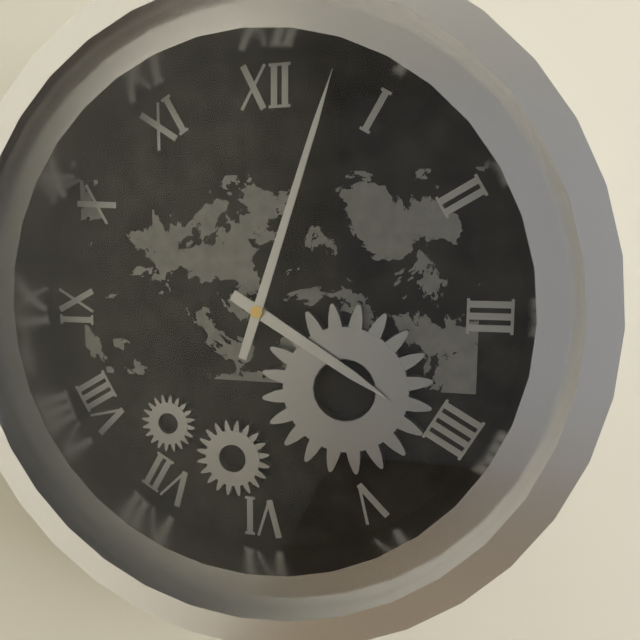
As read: 4h03
